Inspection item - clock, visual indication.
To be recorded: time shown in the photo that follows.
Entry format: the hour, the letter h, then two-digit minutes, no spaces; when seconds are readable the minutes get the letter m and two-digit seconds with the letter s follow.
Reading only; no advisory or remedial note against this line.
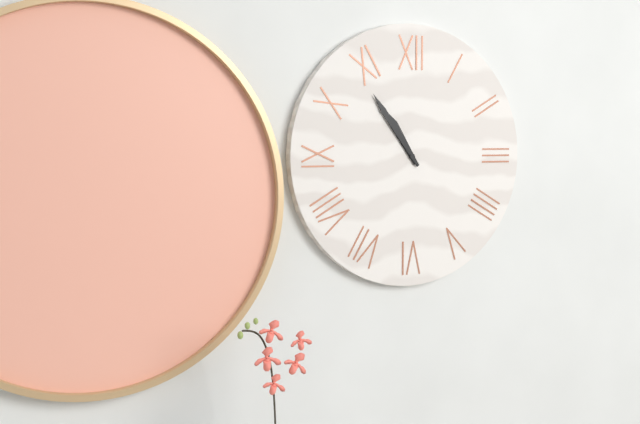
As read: 10h54
